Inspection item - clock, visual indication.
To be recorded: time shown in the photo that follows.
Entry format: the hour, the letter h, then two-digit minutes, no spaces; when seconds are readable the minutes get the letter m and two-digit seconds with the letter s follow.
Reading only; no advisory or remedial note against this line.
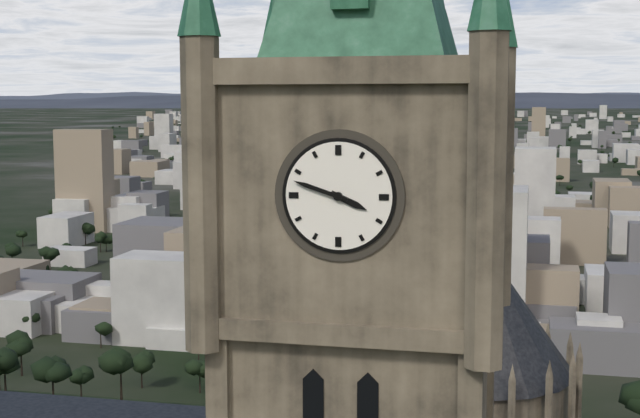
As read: 3h48
